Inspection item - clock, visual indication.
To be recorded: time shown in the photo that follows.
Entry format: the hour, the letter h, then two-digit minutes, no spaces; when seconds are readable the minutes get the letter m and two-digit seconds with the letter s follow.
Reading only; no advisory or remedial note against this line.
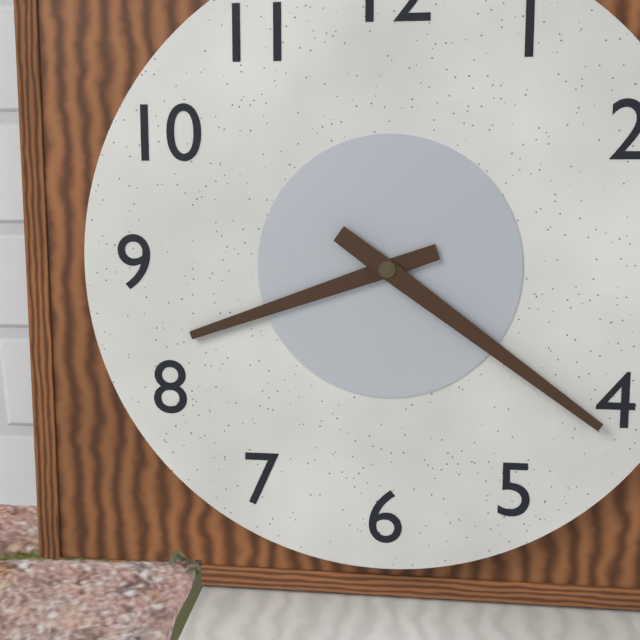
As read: 8h21
